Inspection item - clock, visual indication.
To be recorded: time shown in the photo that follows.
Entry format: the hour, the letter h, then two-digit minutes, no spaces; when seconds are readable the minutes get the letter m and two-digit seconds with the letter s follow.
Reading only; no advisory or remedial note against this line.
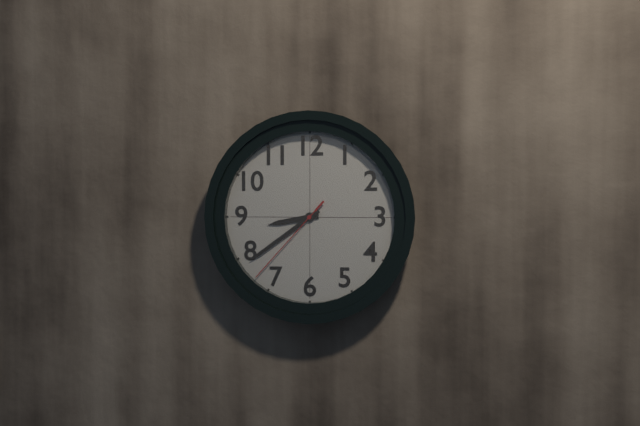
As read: 8h39m37s
